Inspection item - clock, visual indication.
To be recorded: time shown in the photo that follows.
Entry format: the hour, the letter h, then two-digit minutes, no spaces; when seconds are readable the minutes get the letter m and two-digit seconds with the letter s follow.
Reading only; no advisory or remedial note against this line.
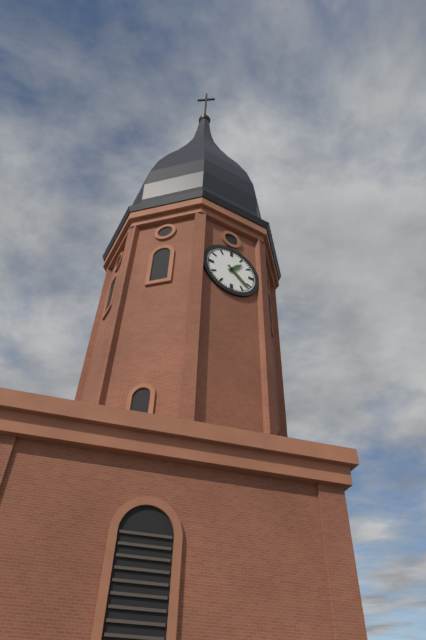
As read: 1h22
